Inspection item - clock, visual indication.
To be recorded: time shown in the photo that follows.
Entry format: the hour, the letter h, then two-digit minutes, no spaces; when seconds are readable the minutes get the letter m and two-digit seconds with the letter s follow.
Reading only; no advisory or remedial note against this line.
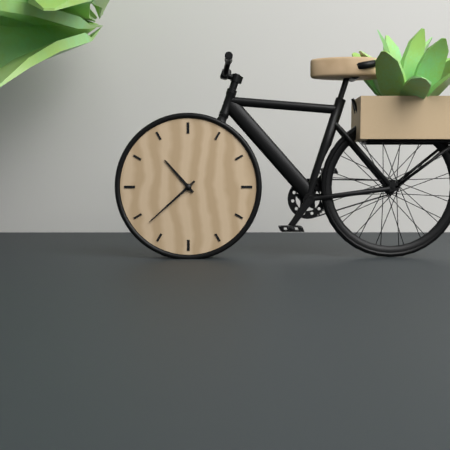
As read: 10h38
